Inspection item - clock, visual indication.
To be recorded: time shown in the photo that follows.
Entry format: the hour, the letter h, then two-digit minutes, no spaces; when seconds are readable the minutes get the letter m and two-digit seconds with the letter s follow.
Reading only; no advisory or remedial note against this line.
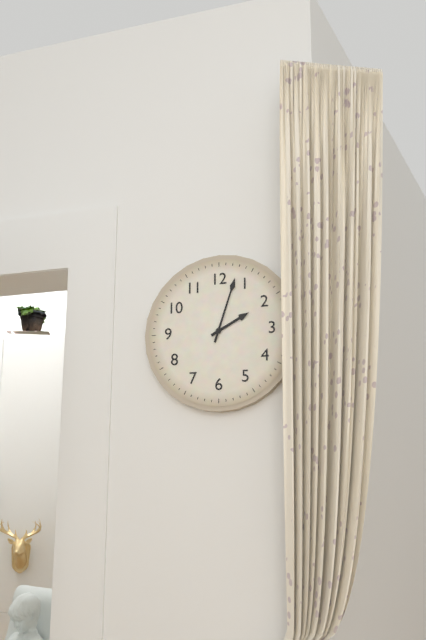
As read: 2h03
